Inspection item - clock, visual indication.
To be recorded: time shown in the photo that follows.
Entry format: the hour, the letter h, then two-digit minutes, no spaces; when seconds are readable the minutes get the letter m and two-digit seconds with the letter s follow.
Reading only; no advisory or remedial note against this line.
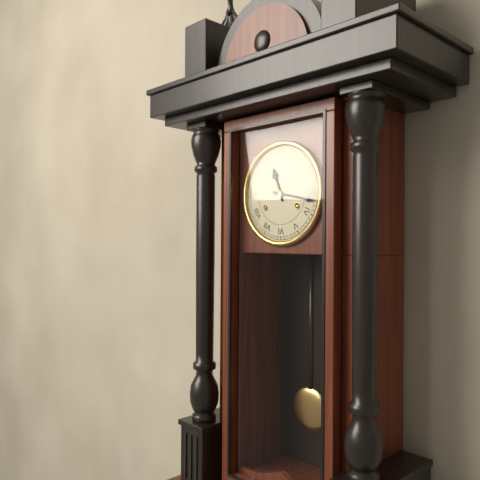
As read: 11h17
